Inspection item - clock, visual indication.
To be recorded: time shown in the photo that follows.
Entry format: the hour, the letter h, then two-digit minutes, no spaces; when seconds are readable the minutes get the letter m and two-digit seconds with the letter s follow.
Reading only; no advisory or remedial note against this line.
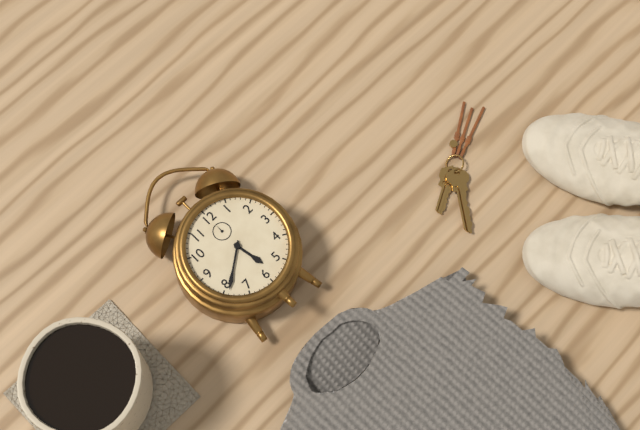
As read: 5h39
